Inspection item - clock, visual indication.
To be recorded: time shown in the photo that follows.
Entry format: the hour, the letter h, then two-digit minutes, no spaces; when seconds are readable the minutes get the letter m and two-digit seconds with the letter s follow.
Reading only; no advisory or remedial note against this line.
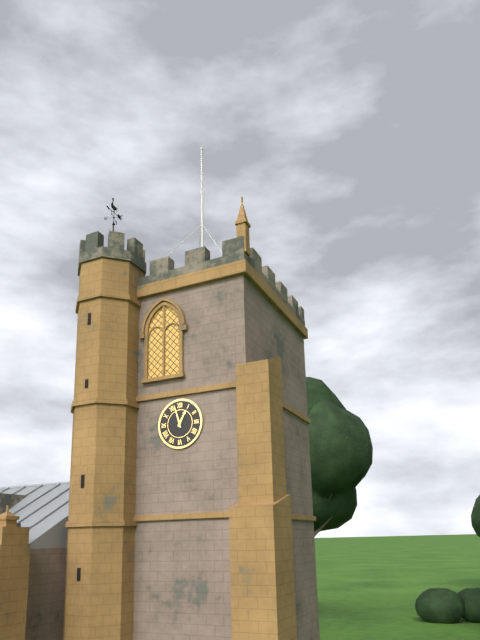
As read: 12h57
